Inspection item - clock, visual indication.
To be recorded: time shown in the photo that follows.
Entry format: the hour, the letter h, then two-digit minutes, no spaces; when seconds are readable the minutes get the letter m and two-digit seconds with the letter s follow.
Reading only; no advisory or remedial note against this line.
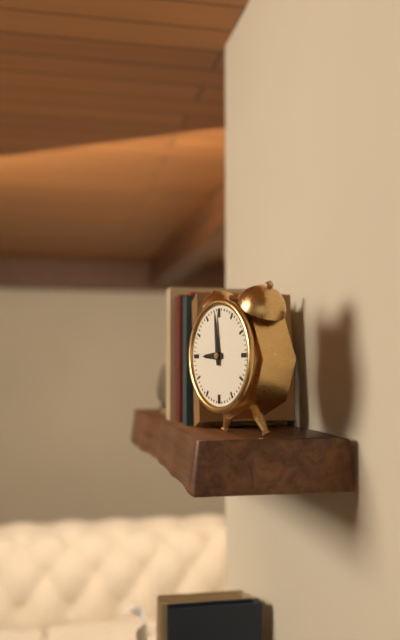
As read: 8h59
